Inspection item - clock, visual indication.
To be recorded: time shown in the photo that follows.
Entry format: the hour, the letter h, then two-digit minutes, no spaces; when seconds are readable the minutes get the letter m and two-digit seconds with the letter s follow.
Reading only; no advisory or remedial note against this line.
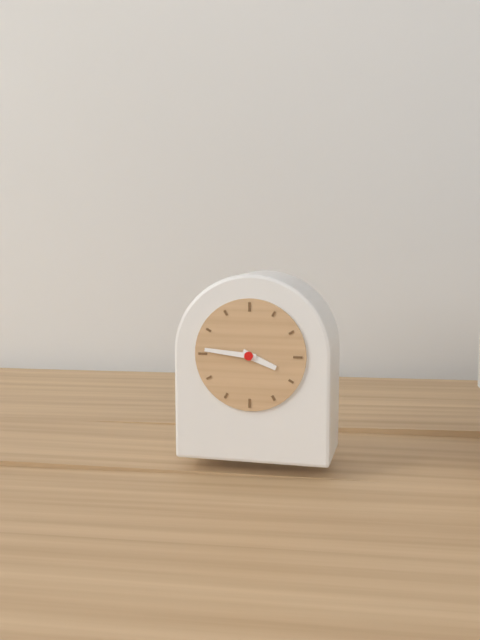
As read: 3h46
